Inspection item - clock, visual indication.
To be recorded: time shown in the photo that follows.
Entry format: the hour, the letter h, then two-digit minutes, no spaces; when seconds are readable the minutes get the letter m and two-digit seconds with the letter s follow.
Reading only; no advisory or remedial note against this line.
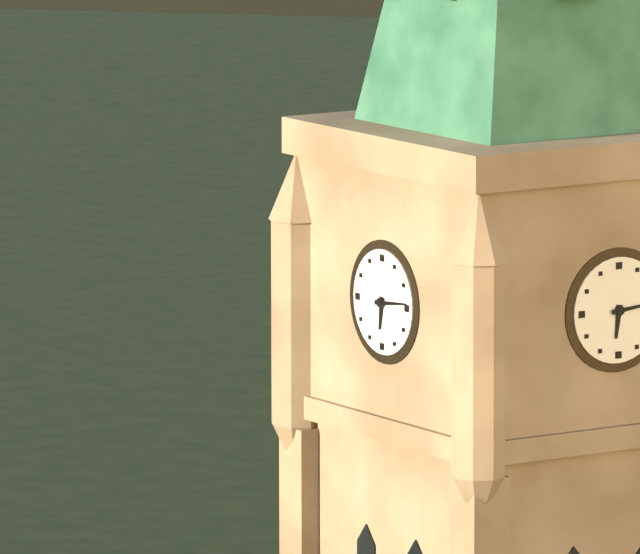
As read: 6h14
